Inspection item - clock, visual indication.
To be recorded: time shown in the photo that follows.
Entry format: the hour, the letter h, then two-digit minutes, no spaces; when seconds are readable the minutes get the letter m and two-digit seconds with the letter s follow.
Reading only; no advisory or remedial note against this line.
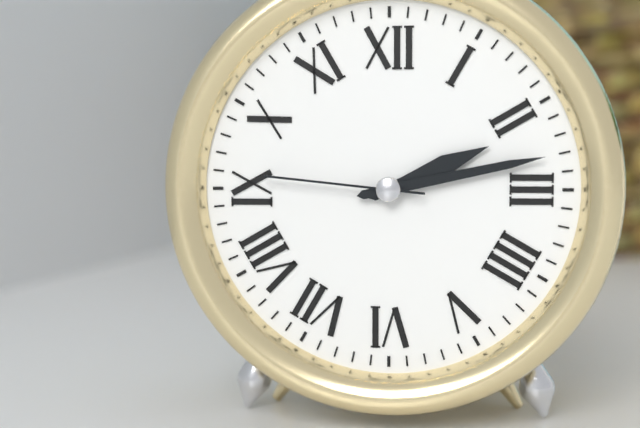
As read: 2h13m46s
